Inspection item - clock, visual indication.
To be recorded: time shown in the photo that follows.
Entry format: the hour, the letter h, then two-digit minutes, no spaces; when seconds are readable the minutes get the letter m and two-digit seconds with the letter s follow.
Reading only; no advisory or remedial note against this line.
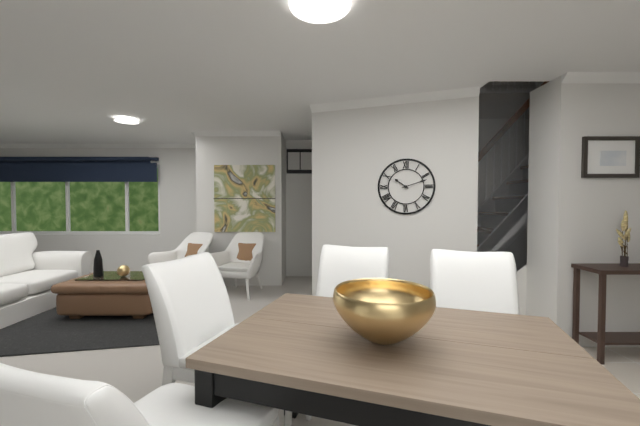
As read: 10h12
